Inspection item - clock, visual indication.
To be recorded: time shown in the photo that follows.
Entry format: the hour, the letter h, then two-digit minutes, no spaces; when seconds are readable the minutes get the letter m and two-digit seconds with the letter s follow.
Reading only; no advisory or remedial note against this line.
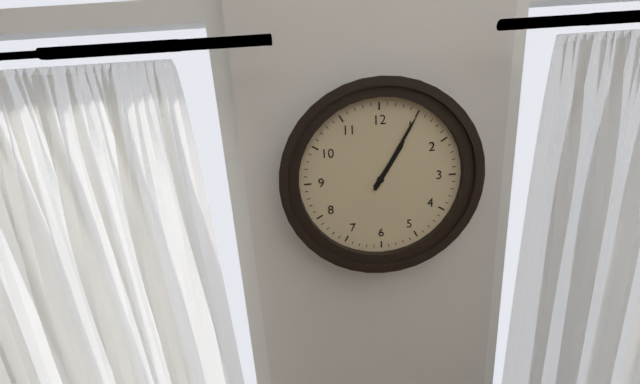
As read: 1h05
